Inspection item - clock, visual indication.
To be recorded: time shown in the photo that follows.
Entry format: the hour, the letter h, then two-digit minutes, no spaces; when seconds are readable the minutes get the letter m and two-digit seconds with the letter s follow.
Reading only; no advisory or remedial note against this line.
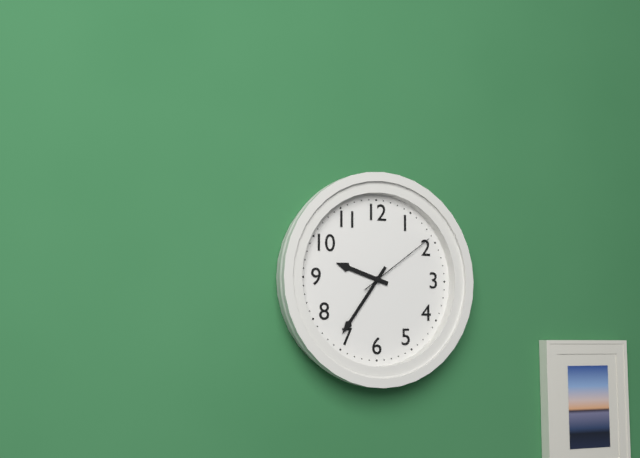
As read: 9h36m09s
